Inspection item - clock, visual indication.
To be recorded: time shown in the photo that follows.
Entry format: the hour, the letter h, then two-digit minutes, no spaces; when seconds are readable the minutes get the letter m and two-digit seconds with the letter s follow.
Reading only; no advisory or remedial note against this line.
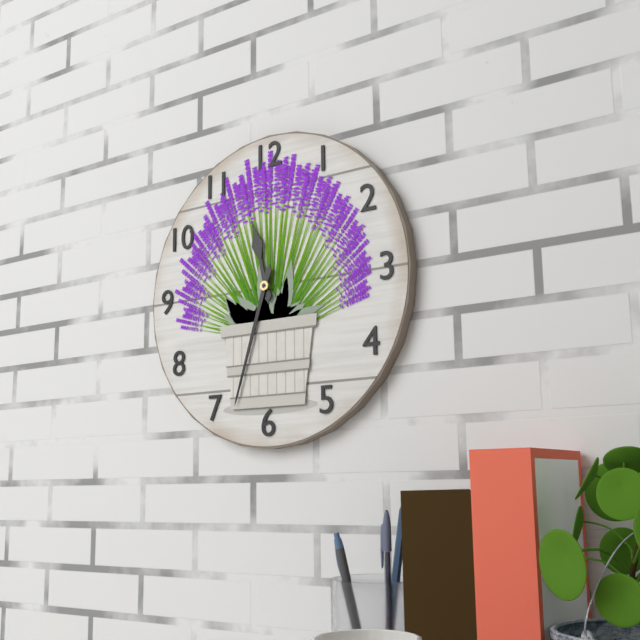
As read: 11h33
